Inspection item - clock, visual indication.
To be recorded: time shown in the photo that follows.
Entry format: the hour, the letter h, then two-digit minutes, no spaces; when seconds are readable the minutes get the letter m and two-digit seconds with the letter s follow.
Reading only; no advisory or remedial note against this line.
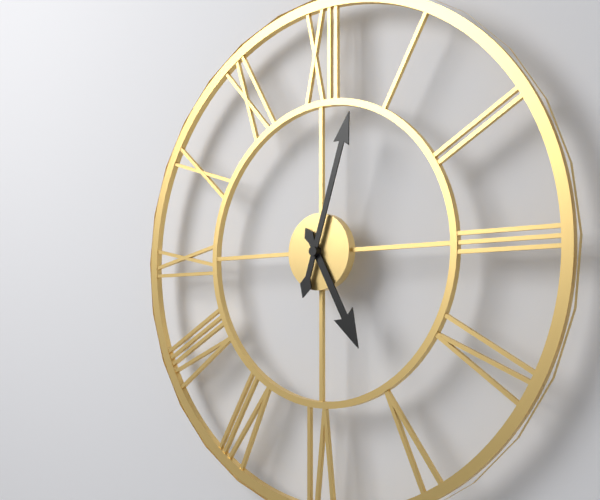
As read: 5h03
